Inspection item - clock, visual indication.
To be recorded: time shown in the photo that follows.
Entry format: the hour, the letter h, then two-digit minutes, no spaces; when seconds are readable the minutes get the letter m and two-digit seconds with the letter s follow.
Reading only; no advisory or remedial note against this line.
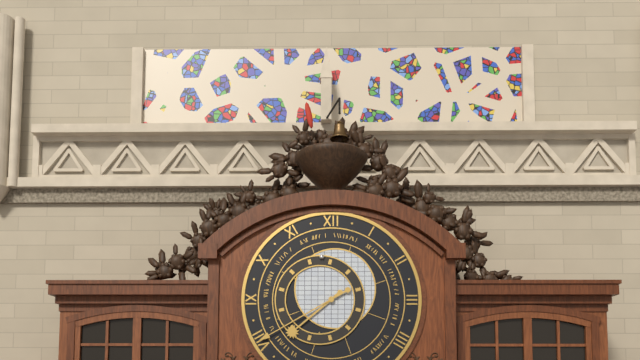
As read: 7h40
